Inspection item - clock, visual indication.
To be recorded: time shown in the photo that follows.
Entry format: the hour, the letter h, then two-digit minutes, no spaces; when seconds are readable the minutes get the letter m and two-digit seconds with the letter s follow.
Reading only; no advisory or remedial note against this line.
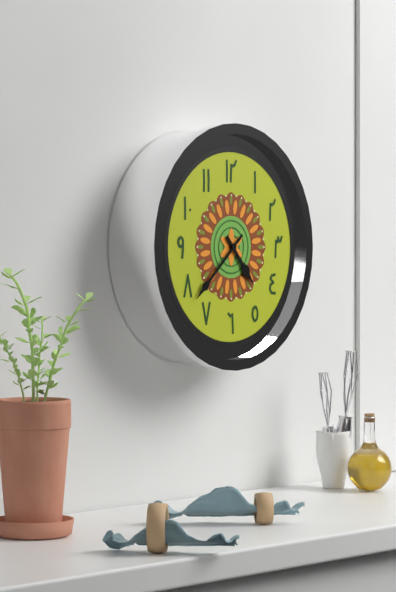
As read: 4h38
